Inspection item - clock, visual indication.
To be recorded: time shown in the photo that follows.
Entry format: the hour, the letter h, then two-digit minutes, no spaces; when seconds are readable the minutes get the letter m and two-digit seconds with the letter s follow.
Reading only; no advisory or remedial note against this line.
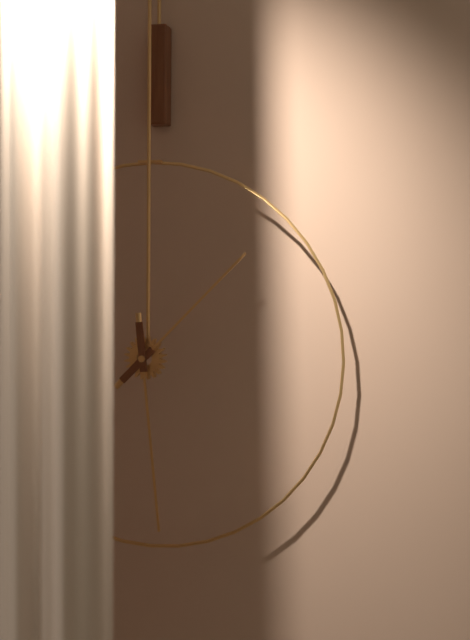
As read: 1h29
